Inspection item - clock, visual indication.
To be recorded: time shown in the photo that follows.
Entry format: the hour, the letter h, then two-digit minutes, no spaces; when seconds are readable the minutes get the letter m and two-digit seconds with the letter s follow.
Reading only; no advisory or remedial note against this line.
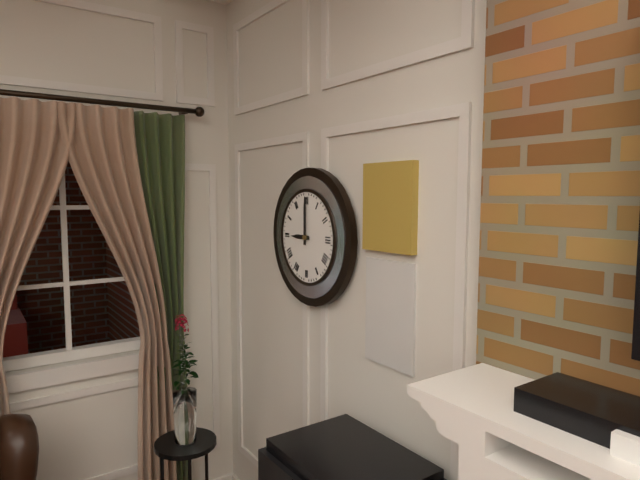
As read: 9h00
